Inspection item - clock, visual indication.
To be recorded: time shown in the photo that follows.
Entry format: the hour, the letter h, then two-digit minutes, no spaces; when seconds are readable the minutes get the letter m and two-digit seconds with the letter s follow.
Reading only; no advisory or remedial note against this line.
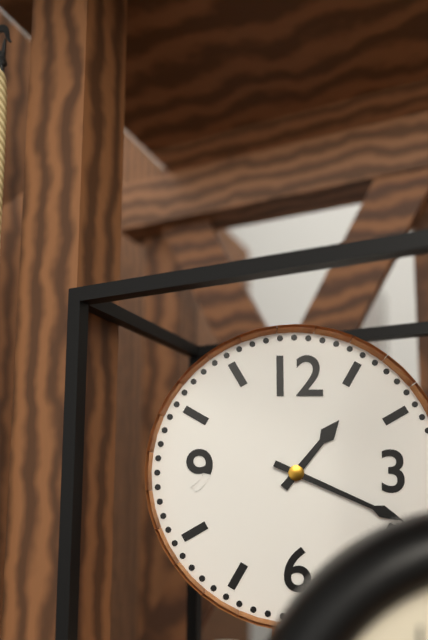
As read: 1h19
